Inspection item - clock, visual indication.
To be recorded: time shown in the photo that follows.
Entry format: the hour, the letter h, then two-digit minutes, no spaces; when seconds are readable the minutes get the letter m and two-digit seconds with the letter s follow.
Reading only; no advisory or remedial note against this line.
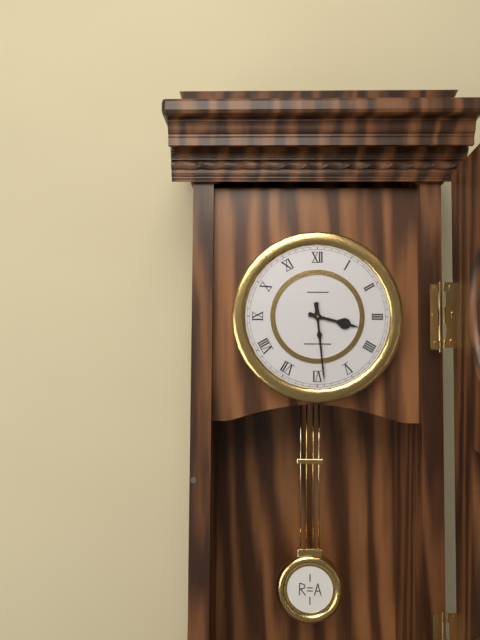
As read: 3h29
